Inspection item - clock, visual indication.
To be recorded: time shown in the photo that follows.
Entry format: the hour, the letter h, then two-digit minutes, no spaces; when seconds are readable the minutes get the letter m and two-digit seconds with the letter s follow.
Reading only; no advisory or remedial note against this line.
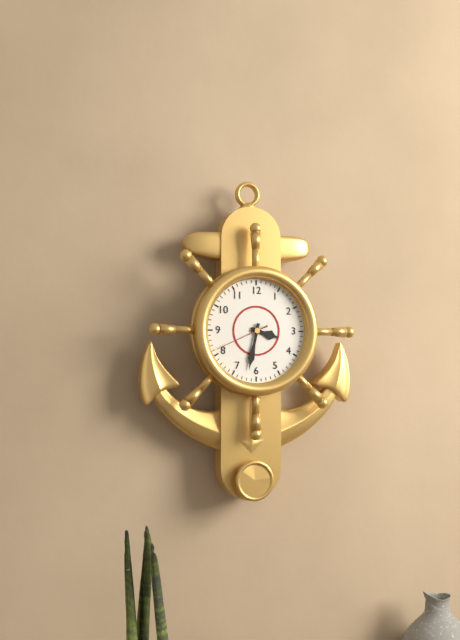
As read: 3h32m41s
